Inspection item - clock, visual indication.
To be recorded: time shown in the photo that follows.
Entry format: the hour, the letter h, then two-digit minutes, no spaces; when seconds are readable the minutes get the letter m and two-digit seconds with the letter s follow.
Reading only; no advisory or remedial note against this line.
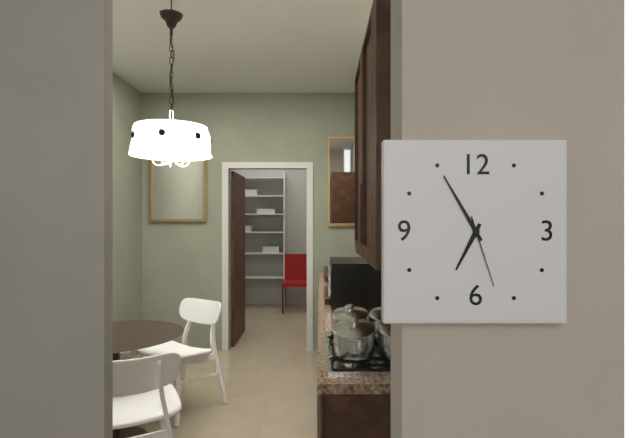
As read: 6h55m27s
